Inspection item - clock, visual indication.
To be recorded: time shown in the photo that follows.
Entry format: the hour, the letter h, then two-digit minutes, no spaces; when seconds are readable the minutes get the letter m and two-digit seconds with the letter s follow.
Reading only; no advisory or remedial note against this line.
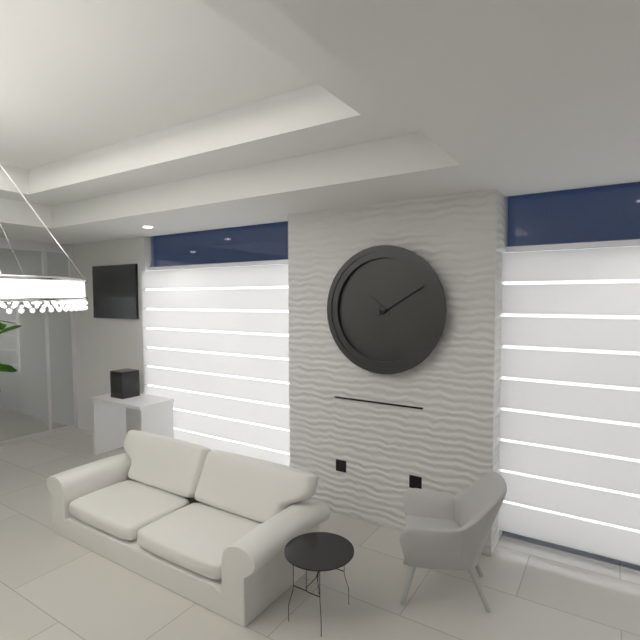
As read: 10h10
